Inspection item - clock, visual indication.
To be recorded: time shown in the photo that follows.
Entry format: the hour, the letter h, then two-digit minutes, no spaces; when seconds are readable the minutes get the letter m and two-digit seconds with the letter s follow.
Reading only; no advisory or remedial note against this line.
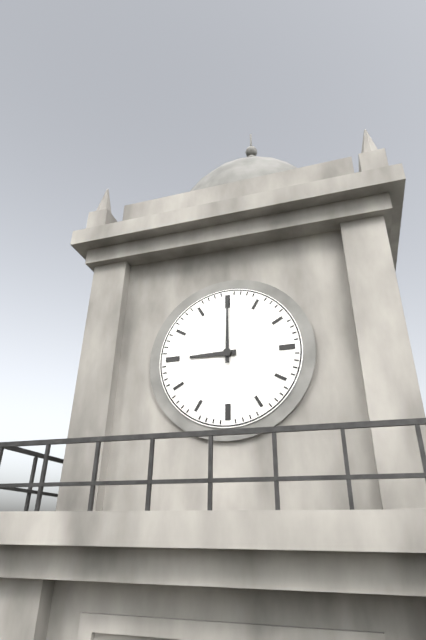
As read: 9h00
